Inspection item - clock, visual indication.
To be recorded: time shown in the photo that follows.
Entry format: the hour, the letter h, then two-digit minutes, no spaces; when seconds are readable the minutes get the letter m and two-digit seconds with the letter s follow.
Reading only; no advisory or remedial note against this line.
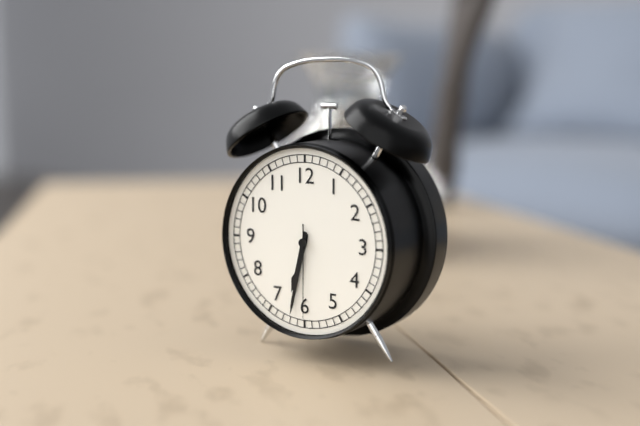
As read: 6h32m30s
